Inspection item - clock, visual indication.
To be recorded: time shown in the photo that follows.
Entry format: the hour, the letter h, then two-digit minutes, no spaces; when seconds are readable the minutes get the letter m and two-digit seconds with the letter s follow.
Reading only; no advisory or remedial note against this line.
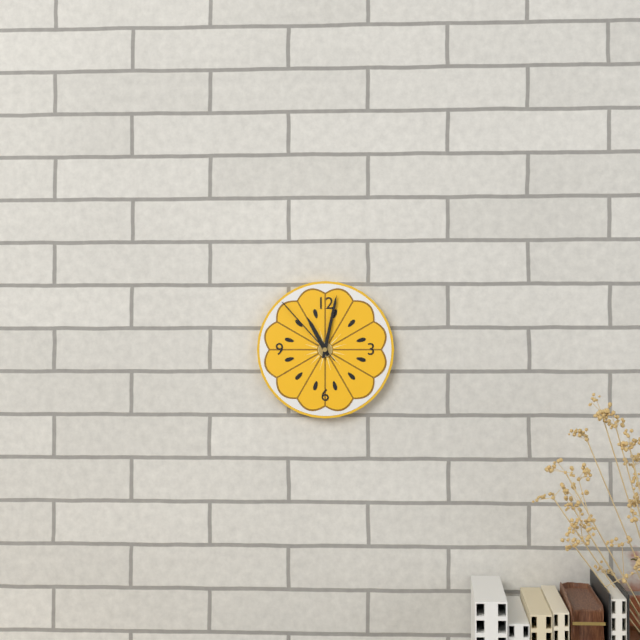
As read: 11h02m53s
